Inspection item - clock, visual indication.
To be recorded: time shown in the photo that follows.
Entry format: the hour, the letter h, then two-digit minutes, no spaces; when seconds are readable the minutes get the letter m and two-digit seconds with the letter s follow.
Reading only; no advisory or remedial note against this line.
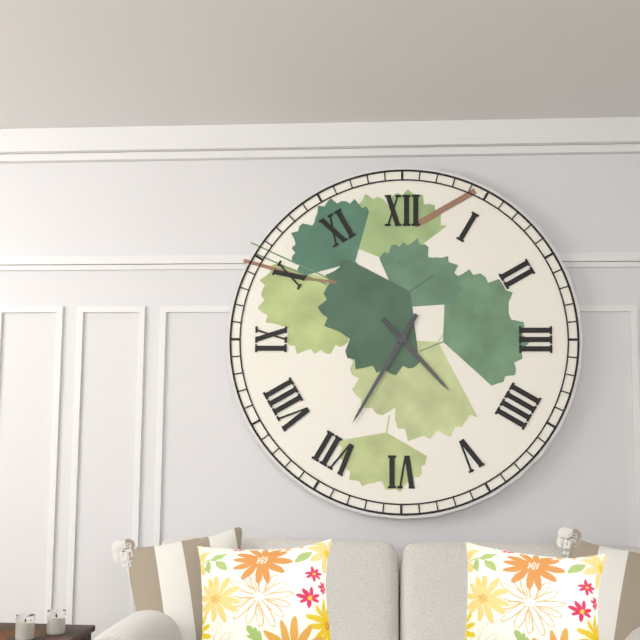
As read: 4h35
